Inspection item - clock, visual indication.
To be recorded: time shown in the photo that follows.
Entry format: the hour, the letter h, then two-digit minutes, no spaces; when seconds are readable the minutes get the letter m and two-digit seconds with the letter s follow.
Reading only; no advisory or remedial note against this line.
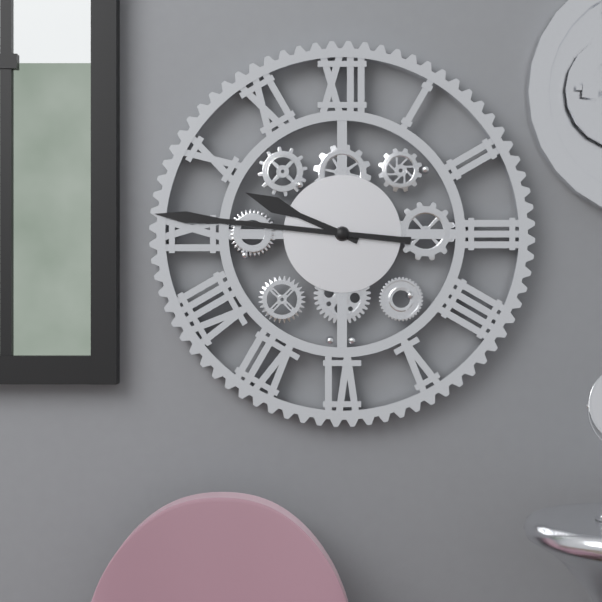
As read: 9h46
